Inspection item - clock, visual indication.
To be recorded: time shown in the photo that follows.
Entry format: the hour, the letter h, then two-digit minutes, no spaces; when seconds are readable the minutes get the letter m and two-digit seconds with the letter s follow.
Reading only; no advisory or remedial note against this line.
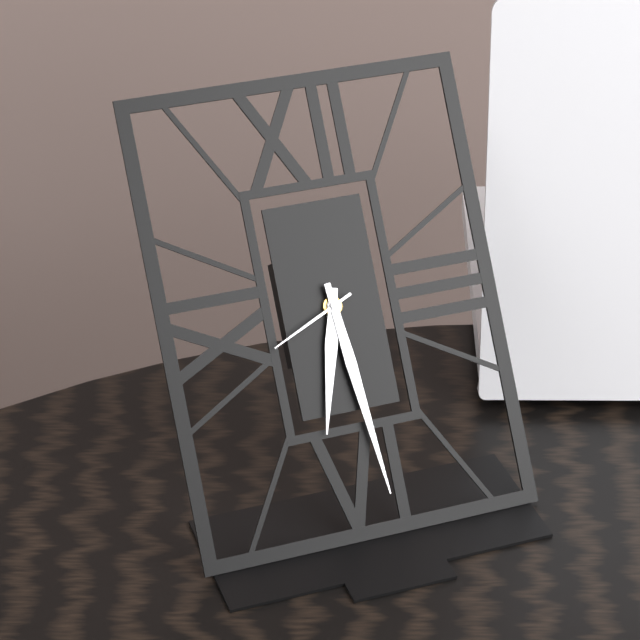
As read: 6h29m41s
